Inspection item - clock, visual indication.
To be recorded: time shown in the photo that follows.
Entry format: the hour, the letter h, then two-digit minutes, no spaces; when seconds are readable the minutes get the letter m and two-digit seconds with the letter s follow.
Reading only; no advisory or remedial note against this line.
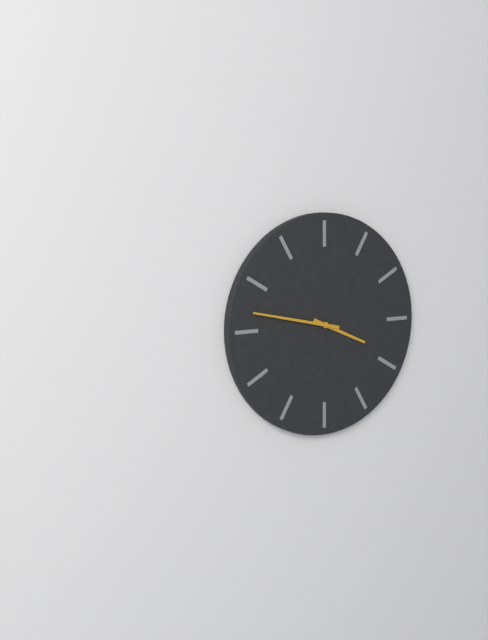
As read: 3h47
